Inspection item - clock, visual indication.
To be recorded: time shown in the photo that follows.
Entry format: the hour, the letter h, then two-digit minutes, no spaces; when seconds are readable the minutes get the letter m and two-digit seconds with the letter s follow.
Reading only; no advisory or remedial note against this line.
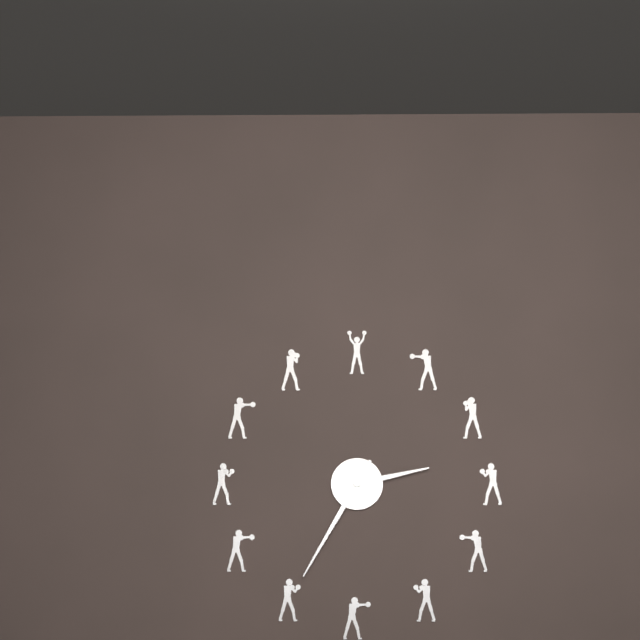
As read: 2h35
